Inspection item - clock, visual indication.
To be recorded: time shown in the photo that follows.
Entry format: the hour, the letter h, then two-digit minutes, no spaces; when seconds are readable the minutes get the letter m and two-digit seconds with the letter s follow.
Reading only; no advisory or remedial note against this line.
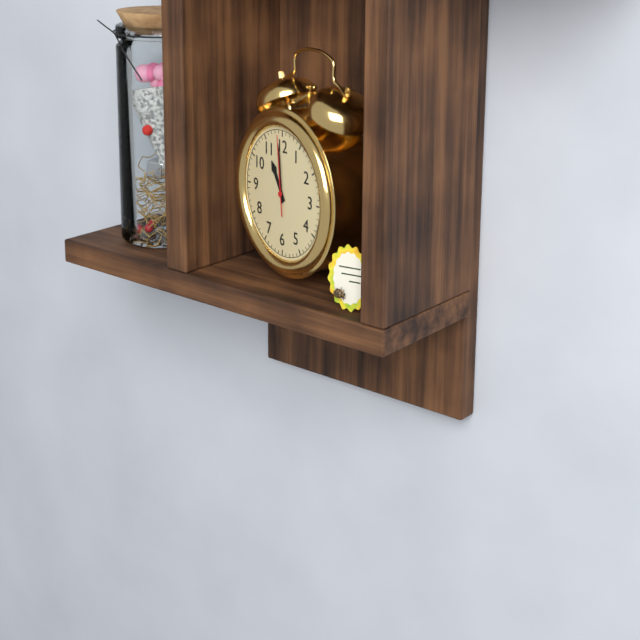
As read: 10h59m59s
